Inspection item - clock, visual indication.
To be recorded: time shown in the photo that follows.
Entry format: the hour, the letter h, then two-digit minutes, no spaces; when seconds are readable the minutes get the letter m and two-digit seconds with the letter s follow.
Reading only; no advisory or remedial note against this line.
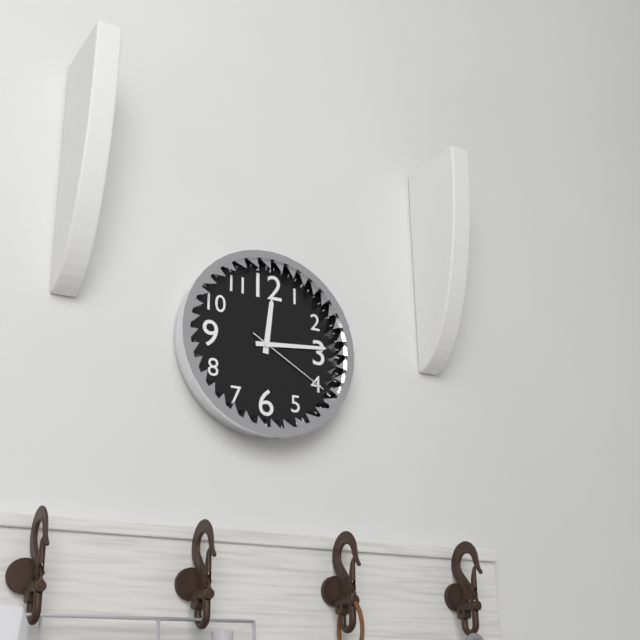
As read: 12h14m20s
